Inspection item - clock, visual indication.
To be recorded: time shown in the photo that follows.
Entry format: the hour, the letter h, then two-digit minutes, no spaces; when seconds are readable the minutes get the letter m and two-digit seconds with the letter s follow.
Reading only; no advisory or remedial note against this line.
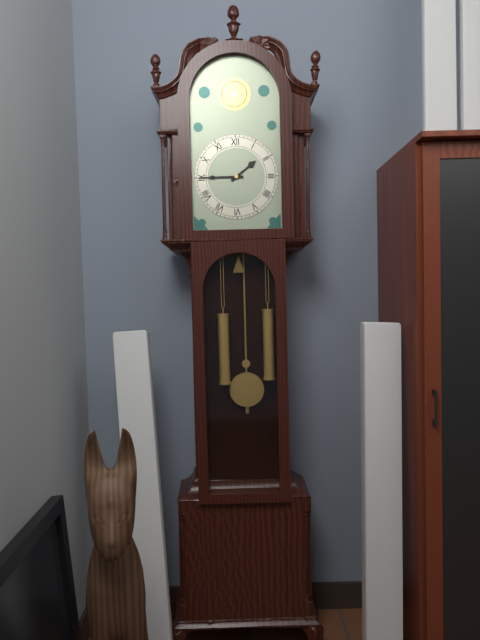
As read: 1h45
